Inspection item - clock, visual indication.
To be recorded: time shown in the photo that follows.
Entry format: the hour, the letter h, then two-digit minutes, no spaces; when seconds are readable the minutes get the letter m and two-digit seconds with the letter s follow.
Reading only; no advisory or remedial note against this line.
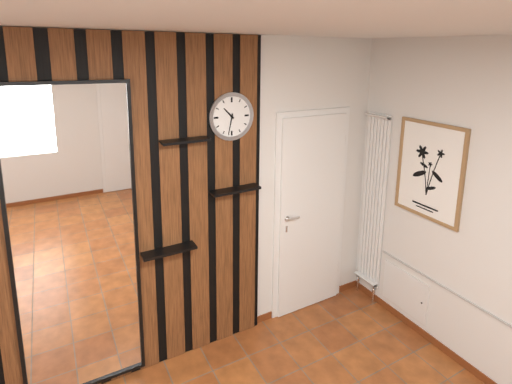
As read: 10h32
